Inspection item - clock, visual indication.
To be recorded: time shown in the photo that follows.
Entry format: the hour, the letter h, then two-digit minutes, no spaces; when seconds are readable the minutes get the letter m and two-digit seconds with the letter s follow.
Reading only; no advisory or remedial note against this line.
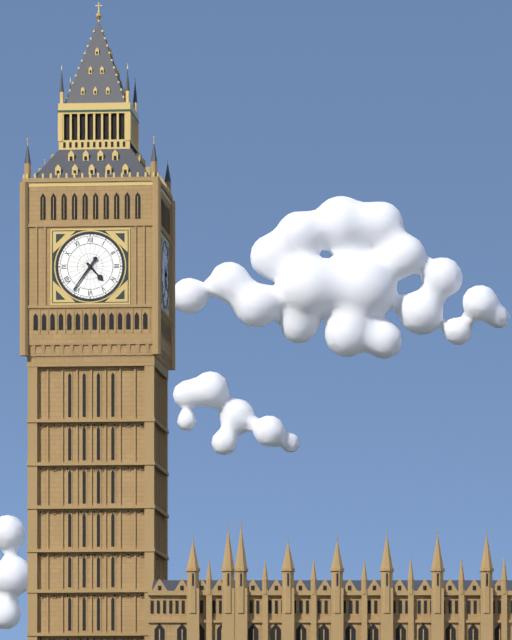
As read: 4h36
